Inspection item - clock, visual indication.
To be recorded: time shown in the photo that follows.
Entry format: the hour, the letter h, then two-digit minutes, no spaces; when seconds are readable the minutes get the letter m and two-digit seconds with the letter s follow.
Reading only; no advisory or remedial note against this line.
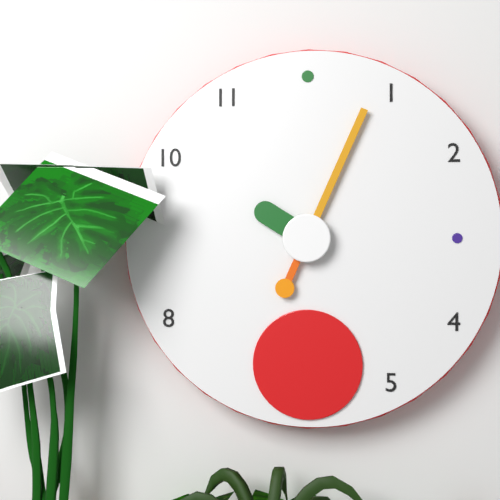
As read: 10h04
